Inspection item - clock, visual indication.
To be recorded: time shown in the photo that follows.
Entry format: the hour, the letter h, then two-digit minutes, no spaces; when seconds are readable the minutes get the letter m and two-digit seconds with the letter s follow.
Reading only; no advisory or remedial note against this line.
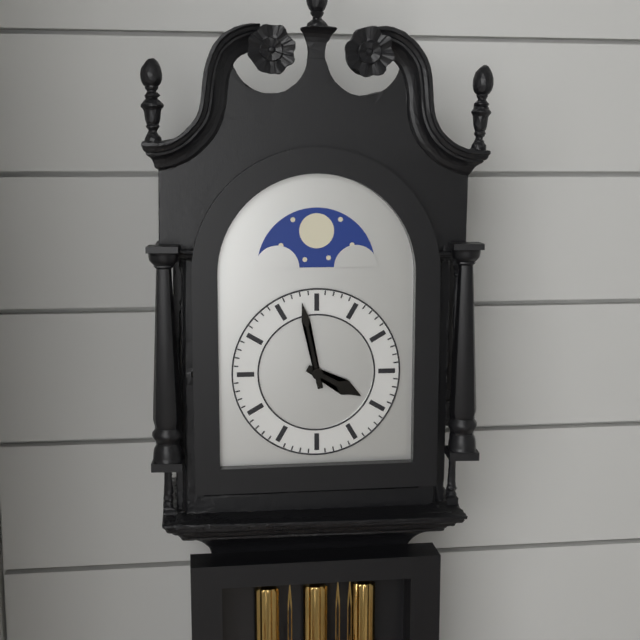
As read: 3h58
